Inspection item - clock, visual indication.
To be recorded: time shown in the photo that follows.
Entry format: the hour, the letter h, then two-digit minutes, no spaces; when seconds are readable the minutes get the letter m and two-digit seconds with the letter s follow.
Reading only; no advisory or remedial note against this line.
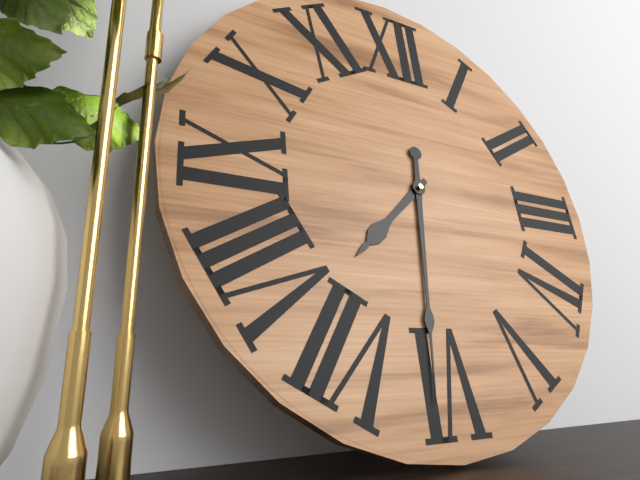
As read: 7h31
